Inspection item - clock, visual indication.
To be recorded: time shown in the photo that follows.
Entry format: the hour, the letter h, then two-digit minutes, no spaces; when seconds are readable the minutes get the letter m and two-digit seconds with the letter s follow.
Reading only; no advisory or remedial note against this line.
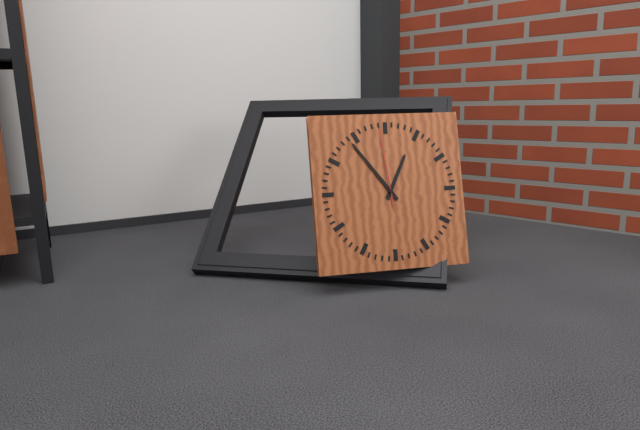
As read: 12h54m59s
